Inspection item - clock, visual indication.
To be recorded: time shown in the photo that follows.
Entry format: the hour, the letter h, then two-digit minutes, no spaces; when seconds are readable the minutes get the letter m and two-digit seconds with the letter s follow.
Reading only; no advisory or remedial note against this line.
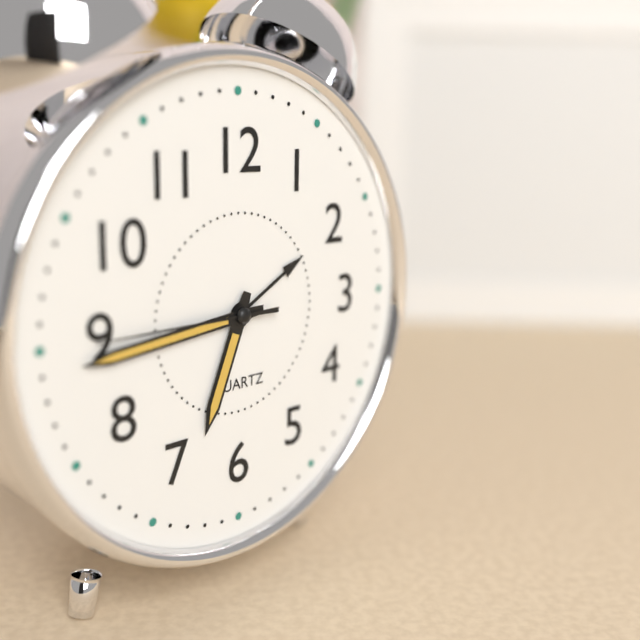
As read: 6h44m45s
